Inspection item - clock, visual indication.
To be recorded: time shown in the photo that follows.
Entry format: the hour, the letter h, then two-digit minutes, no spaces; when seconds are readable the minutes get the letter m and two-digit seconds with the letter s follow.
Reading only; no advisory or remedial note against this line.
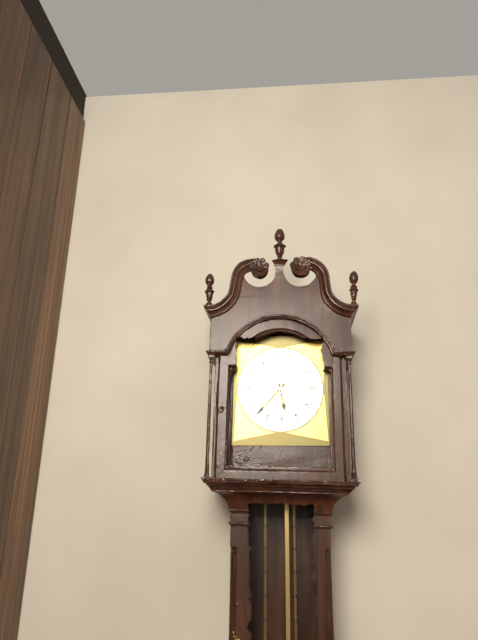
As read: 5h37
